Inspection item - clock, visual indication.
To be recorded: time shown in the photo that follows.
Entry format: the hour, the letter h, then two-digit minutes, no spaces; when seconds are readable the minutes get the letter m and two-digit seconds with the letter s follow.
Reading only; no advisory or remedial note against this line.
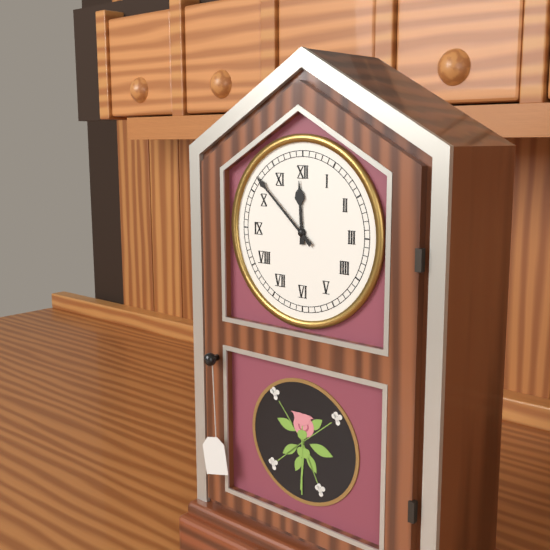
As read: 11h52
